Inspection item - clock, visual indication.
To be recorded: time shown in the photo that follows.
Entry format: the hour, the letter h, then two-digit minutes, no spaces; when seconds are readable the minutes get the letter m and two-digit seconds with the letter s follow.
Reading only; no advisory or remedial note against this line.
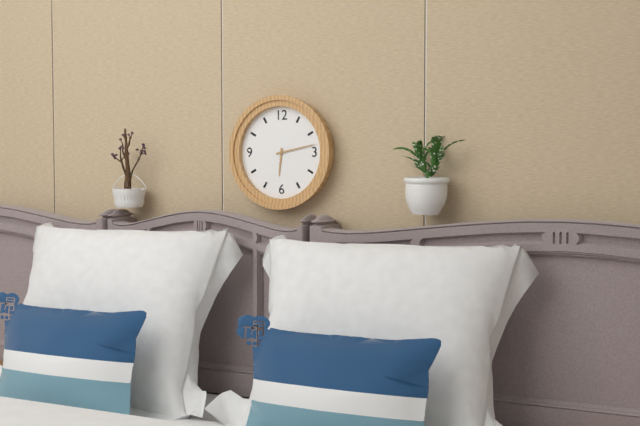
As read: 6h13
